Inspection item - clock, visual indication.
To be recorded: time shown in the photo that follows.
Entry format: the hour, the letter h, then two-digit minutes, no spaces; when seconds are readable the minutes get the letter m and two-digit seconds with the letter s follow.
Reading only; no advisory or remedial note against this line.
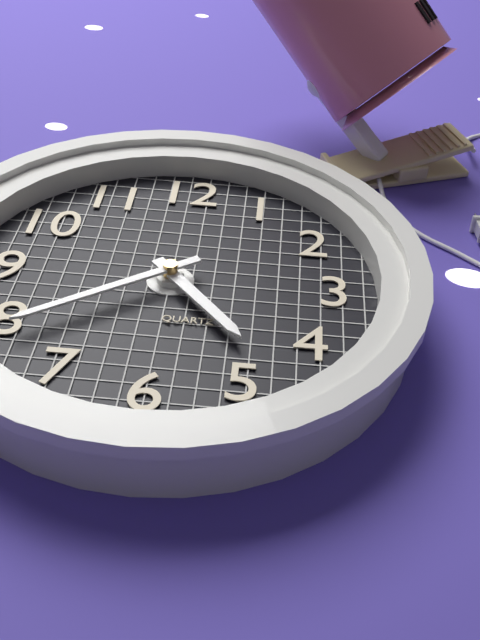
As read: 4h39
